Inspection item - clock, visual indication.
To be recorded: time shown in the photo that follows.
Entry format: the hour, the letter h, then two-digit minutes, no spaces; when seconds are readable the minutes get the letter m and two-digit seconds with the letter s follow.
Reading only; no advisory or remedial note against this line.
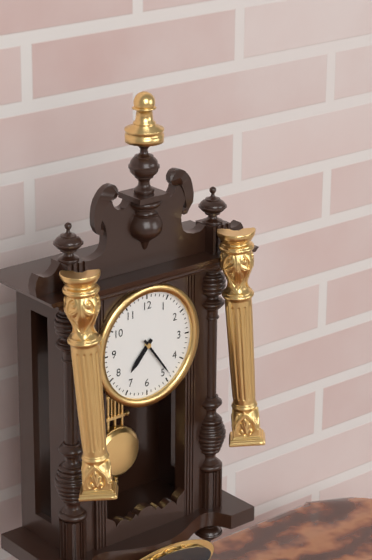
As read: 7h24
